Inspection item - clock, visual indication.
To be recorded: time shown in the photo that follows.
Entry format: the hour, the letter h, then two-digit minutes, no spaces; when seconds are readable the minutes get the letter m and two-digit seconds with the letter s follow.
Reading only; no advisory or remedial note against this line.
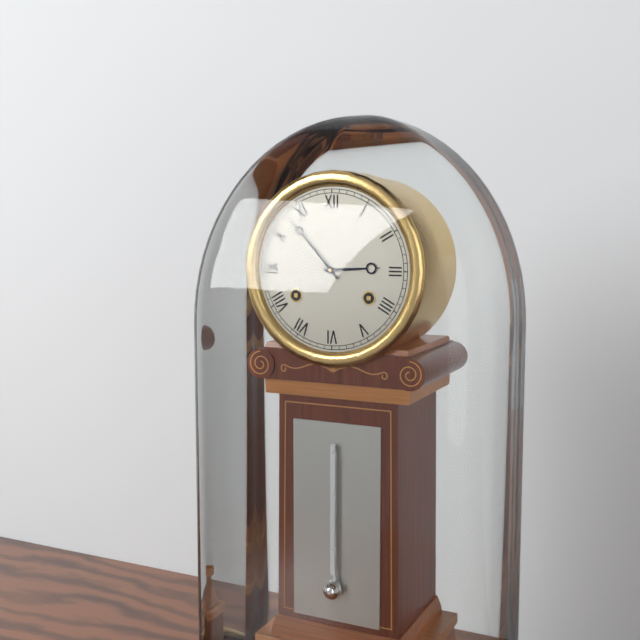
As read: 2h53
